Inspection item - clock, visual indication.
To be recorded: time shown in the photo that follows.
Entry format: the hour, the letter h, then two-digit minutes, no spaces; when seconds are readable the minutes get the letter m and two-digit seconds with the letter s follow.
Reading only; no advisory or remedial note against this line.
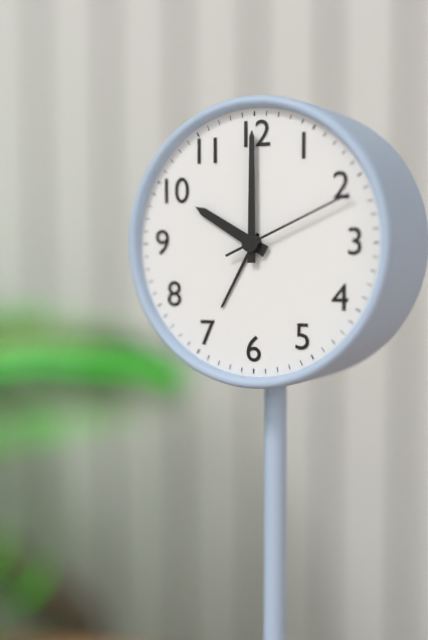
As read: 10h00m11s
